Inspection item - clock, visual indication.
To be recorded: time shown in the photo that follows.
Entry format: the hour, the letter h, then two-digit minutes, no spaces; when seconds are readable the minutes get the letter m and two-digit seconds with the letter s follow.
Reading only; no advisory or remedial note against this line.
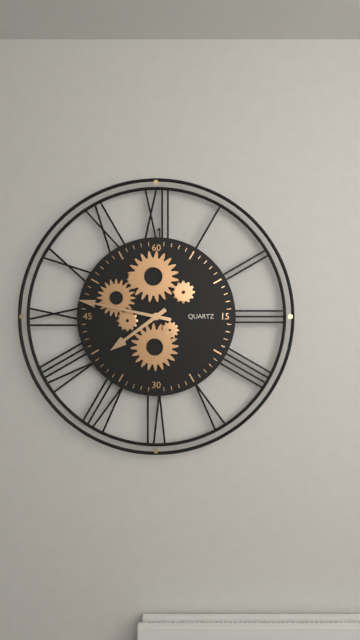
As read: 7h47
